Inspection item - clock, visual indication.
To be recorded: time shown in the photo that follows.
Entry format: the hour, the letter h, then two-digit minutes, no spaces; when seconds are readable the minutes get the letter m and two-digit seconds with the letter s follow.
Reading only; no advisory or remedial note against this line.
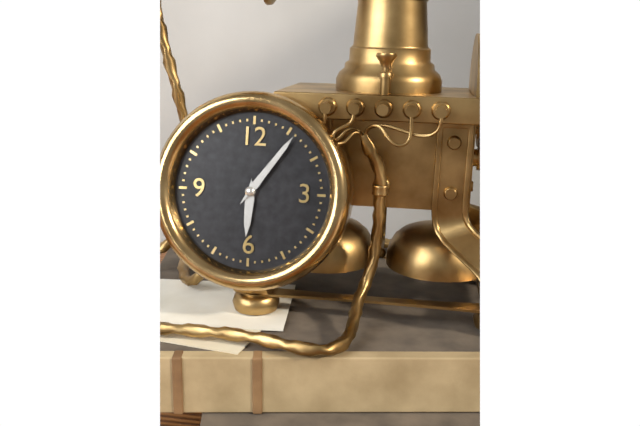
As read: 6h06
